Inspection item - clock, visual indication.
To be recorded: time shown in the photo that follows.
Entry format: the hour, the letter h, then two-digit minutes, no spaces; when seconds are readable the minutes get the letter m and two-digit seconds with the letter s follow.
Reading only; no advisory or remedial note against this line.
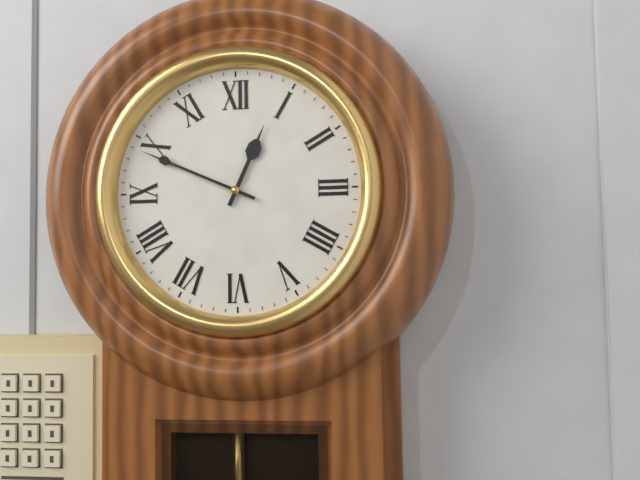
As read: 12h49
